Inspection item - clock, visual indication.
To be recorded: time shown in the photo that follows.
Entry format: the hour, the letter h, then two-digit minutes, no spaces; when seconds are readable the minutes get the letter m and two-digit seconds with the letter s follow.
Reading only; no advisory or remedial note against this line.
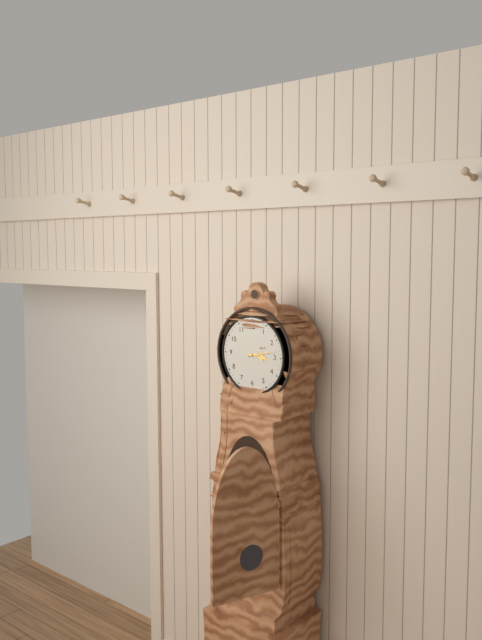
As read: 3h13
